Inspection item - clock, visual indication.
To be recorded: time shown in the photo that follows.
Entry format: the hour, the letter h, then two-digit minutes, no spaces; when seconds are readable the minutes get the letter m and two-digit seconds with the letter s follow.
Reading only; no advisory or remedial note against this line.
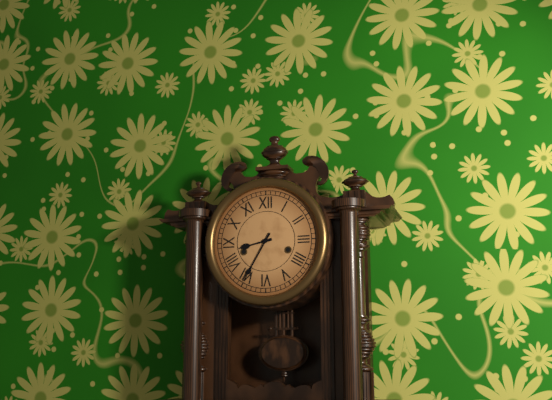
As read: 8h35
